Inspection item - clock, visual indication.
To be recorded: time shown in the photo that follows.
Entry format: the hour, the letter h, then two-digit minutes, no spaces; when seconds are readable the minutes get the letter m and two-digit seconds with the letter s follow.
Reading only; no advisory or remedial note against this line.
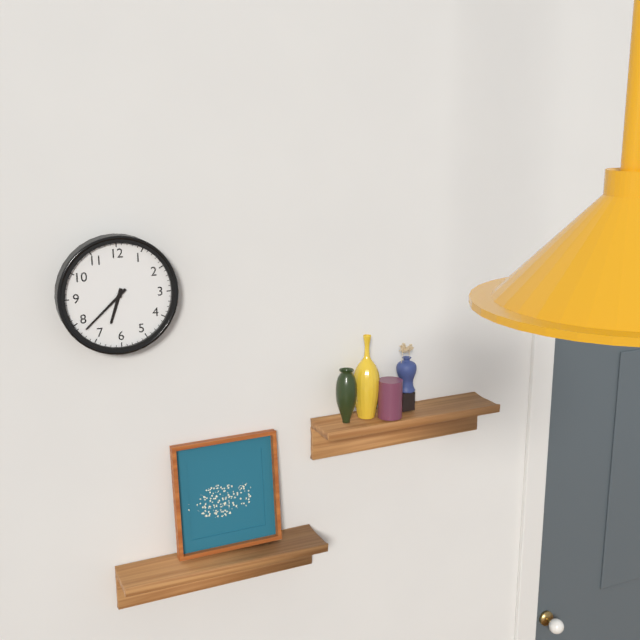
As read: 6h38
